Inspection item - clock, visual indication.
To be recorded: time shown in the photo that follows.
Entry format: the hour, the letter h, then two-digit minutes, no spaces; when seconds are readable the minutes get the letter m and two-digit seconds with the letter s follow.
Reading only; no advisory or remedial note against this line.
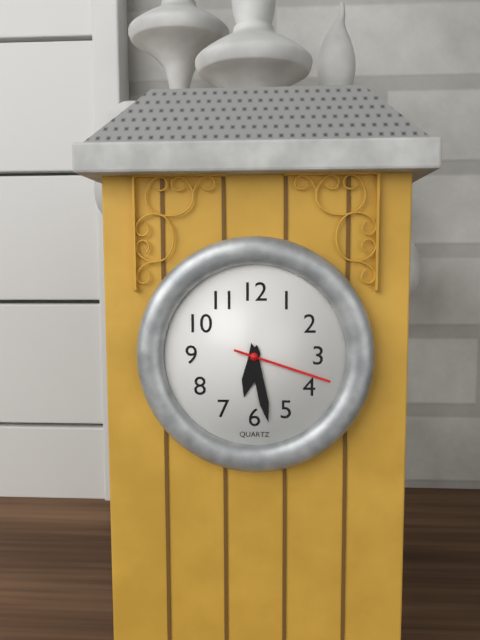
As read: 6h28m18s
